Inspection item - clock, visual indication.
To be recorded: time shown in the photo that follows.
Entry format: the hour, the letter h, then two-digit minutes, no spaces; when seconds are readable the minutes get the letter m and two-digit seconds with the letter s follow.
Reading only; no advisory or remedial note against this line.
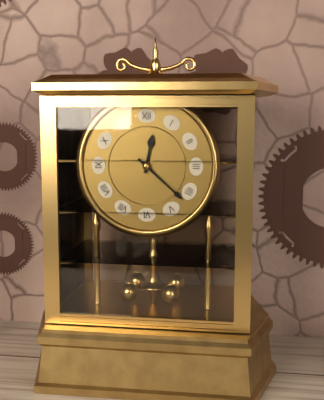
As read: 12h22
